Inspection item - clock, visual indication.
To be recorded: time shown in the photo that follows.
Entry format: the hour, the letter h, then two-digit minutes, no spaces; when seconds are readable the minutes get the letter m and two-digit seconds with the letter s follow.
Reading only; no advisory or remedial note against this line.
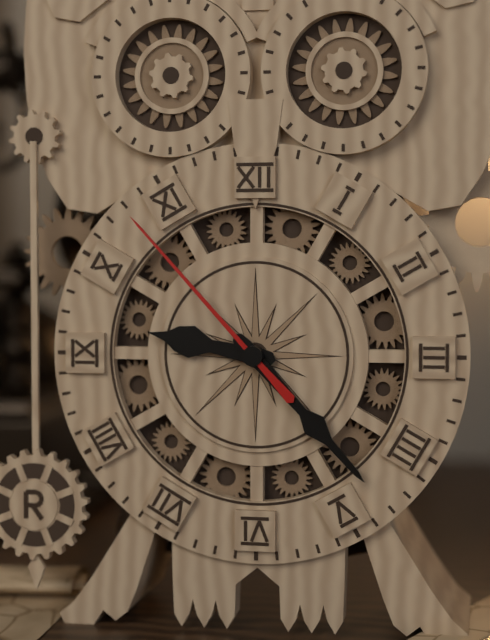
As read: 9h23m53s
